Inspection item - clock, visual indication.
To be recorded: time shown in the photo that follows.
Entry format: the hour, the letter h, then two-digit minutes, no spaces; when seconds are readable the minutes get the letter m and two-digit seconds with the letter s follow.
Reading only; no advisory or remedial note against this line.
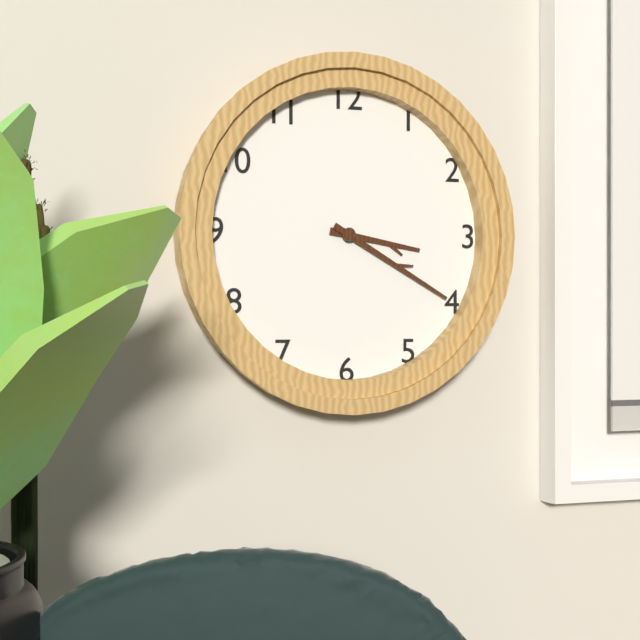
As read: 3h20
